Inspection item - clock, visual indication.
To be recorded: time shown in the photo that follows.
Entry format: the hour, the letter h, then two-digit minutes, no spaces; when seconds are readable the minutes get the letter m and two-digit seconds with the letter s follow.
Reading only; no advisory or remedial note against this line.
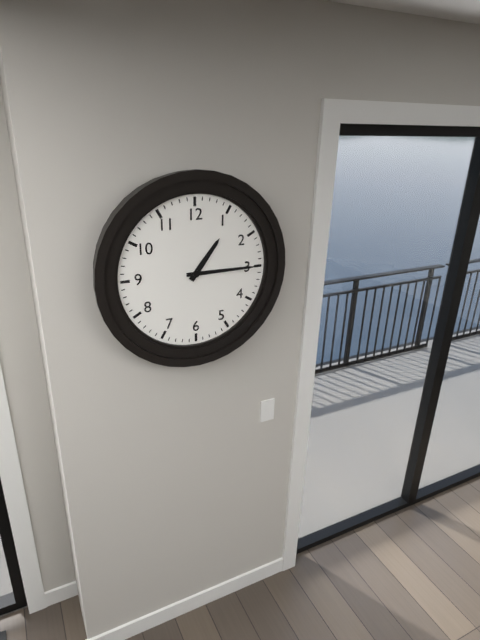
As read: 1h15
